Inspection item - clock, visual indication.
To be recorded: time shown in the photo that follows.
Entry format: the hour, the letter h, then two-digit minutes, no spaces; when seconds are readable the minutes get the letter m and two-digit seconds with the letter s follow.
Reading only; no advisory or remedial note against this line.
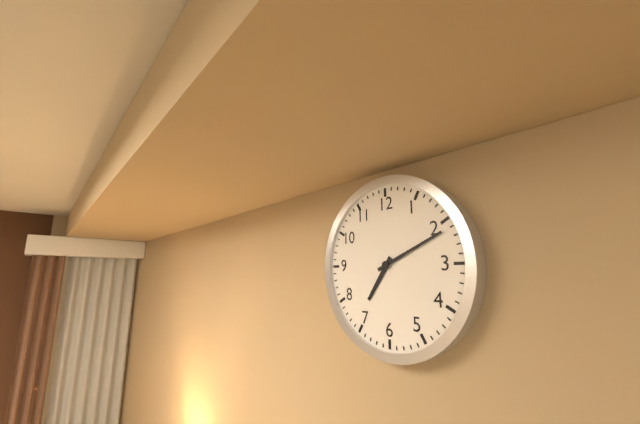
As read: 7h11
